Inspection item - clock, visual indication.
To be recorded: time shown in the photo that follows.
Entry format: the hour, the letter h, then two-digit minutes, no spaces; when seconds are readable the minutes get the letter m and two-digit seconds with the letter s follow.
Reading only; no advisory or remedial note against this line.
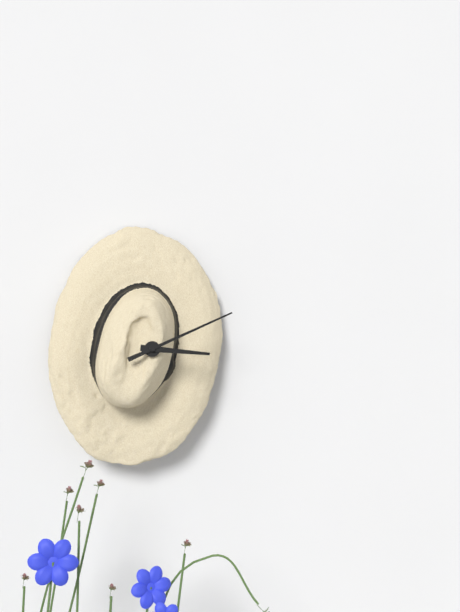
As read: 3h11
